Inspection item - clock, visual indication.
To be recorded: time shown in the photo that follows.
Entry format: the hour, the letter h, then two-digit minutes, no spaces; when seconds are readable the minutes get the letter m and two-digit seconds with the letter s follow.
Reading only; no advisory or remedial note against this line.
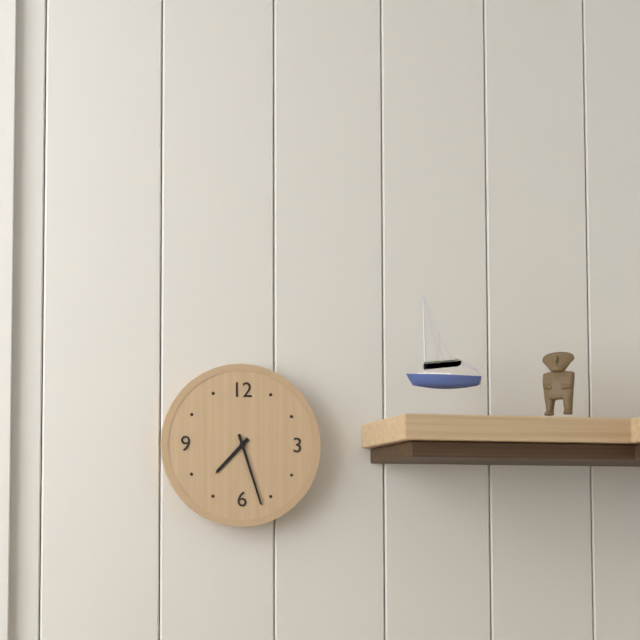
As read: 7h27
